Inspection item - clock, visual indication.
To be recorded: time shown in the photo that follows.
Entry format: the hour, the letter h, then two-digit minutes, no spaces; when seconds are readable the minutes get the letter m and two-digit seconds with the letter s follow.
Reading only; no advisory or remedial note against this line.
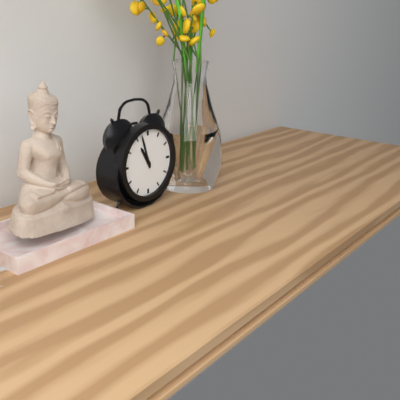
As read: 10h57
